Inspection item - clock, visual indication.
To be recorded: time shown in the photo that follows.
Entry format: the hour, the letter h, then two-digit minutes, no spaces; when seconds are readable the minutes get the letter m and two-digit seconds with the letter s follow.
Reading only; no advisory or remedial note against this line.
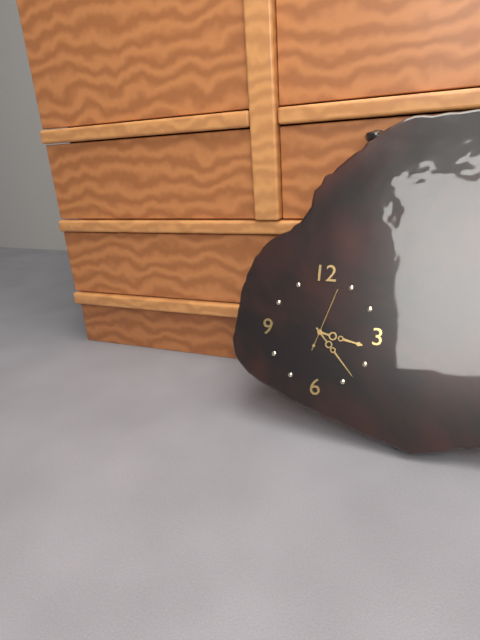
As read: 3h23m03s
